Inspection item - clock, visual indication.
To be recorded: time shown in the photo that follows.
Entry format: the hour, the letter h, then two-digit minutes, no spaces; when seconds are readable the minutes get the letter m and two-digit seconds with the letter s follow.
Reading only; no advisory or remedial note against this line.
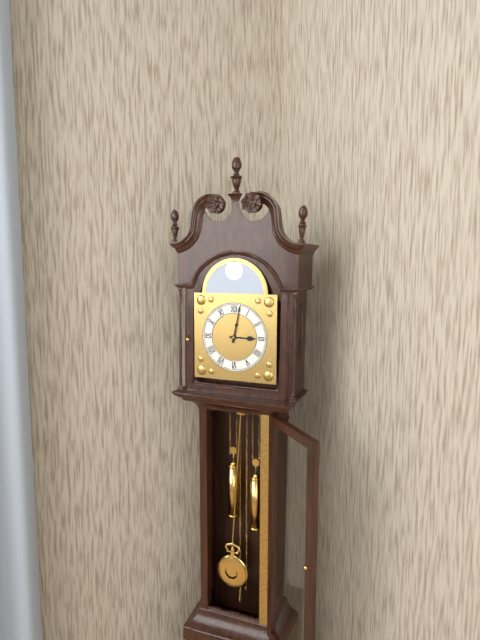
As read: 3h02
